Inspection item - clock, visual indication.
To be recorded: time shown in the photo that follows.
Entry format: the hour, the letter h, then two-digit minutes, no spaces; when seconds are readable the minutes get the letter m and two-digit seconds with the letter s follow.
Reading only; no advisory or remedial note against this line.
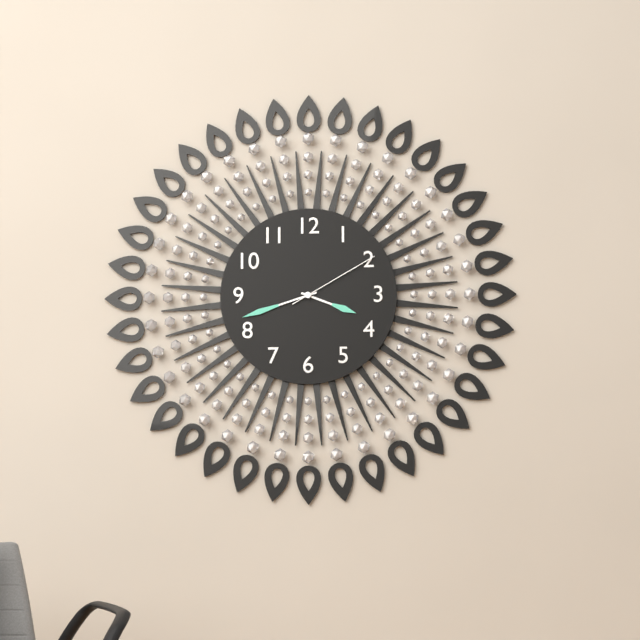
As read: 3h42m10s
